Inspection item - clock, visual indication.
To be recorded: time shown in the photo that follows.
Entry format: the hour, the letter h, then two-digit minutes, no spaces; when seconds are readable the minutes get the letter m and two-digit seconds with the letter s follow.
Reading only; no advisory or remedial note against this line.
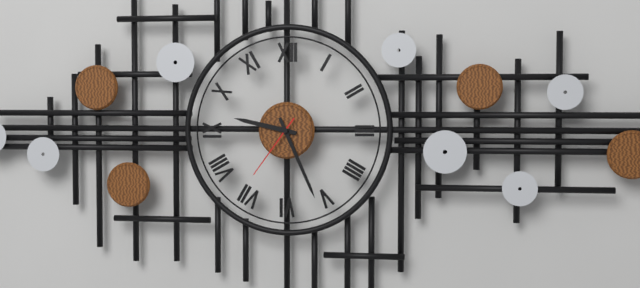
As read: 9h26m36s
